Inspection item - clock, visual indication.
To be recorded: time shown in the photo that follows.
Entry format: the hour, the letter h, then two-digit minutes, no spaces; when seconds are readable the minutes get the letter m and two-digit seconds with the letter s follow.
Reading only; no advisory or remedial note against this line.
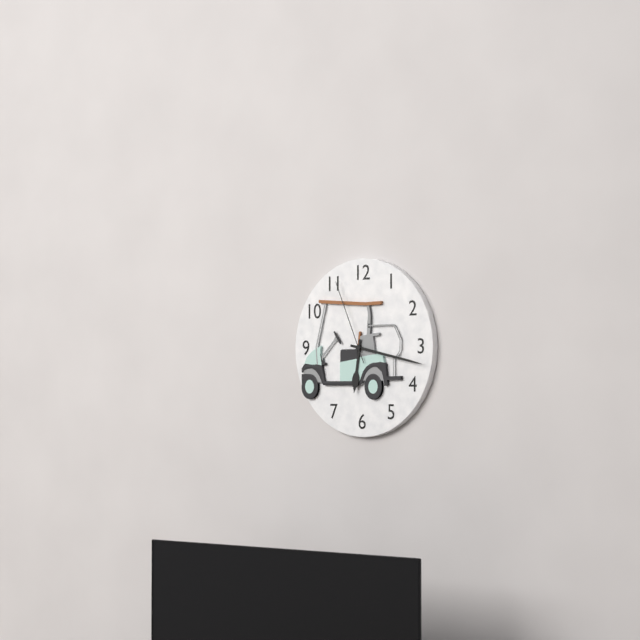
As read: 6h17m56s
